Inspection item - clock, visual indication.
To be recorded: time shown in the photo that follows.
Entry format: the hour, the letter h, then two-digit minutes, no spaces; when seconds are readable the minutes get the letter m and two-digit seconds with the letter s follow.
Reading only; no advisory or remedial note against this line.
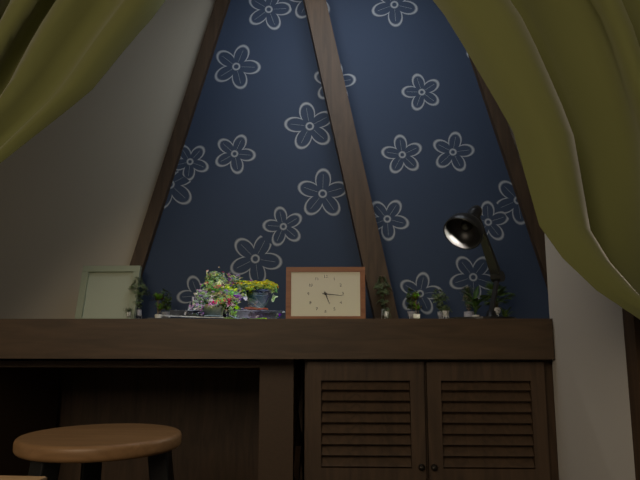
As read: 5h16
